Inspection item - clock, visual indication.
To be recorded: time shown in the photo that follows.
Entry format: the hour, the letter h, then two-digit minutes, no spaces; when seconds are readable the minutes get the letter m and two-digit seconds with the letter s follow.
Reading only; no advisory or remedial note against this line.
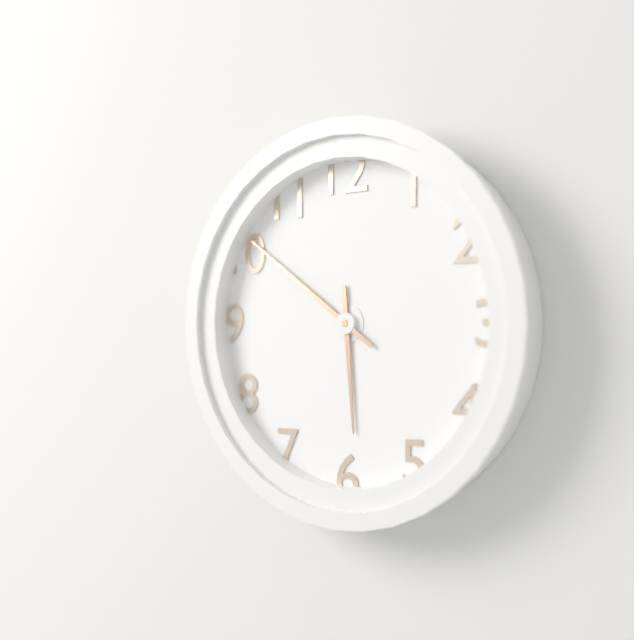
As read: 5h51
